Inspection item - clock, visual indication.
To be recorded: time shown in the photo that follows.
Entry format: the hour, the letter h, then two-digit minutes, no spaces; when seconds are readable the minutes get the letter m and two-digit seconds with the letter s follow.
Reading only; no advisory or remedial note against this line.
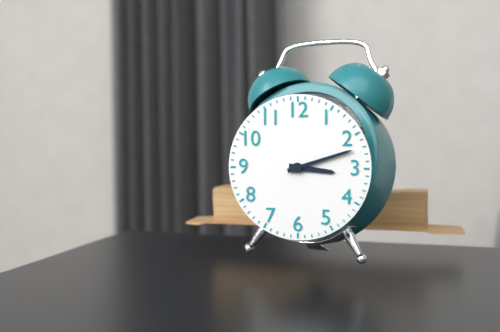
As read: 3h12
